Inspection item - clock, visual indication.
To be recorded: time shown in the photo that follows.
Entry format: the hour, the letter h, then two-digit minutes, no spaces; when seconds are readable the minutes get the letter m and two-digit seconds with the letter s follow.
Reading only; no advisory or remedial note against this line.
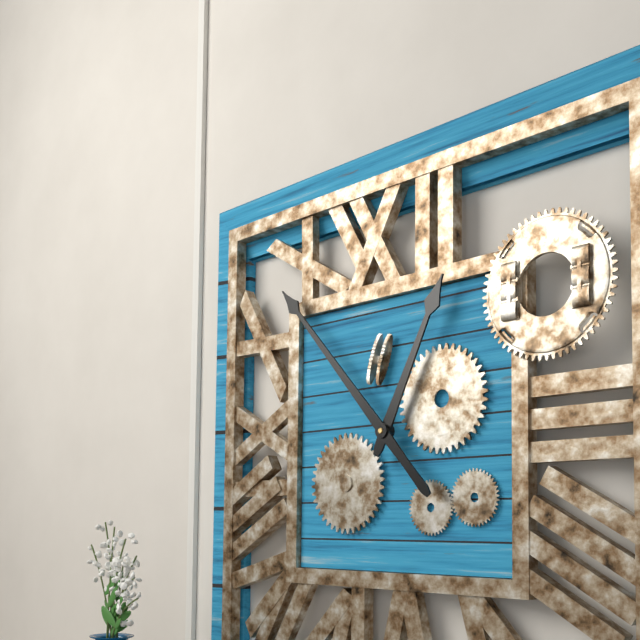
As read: 12h53
